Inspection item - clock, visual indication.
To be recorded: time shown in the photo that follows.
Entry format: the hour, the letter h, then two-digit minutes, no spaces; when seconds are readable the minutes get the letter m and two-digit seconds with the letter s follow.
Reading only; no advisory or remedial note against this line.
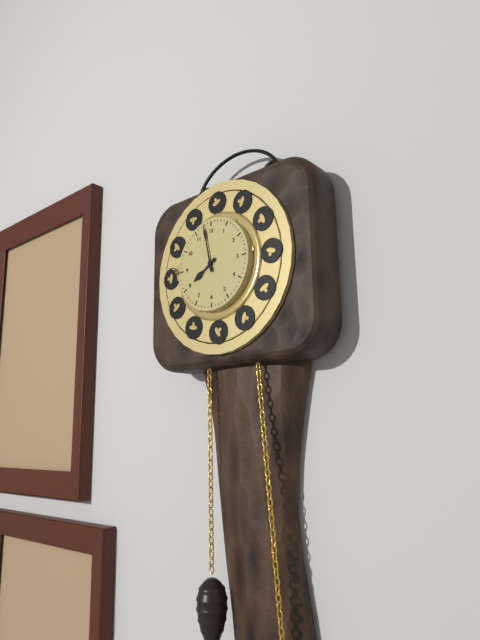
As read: 7h58
